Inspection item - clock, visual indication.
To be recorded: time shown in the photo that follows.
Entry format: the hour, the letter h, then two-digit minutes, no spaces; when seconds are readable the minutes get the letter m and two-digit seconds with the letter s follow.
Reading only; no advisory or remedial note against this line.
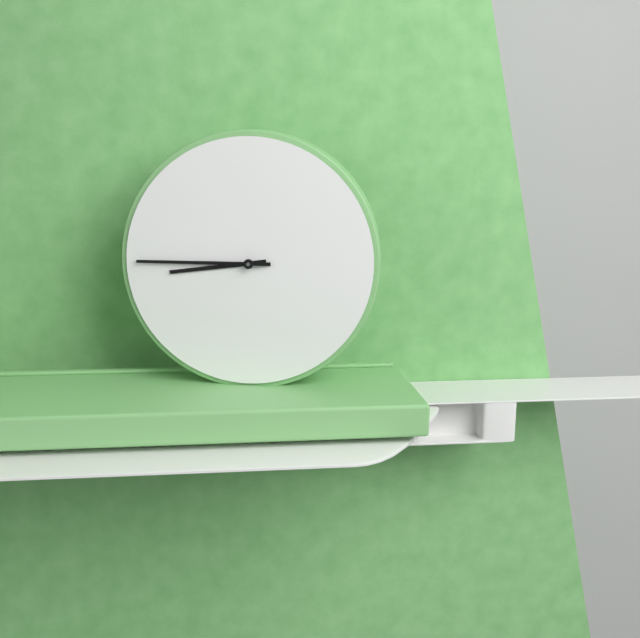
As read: 8h45
